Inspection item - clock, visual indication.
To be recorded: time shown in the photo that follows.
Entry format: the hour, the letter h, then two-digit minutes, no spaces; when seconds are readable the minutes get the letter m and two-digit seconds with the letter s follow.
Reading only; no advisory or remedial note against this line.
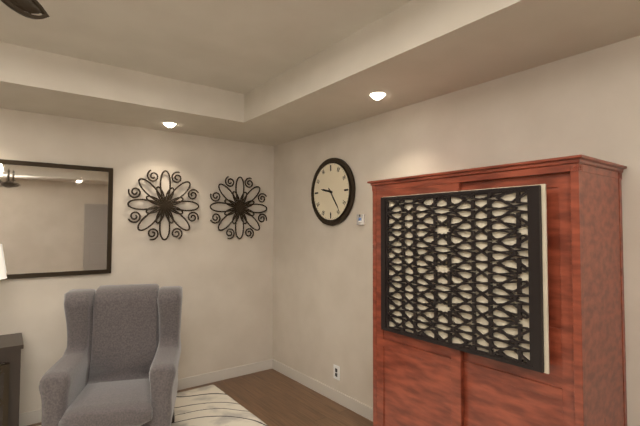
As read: 9h24
